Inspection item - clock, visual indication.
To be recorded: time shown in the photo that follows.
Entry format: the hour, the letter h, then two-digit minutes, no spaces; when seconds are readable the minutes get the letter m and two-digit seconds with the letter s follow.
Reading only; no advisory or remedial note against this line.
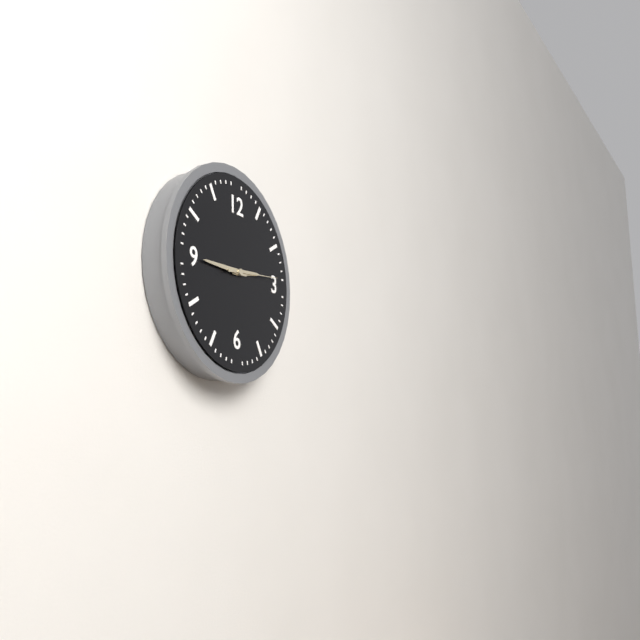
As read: 2h45
